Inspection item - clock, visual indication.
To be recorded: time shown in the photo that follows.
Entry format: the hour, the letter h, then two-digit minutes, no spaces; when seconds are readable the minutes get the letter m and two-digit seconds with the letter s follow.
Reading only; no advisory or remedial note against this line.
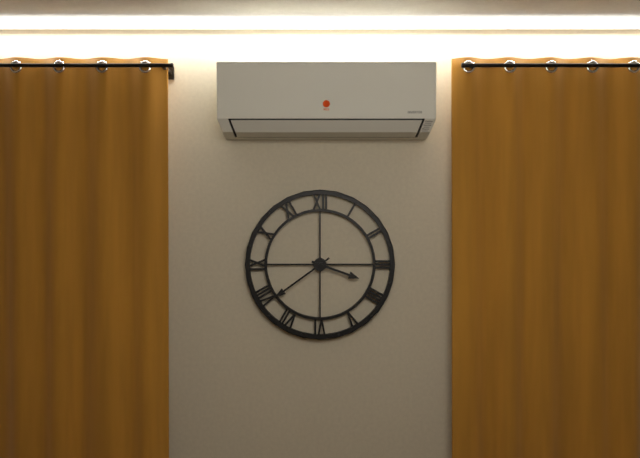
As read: 3h39
